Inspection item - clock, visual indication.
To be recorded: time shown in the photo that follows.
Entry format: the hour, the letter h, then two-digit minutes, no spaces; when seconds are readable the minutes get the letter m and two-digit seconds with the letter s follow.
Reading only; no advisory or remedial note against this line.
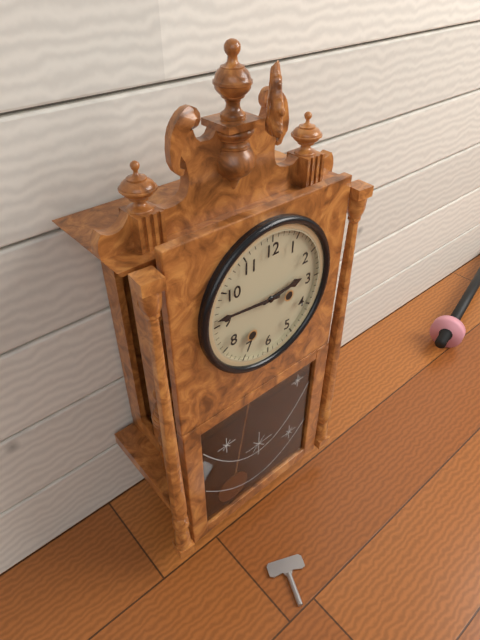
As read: 2h46
